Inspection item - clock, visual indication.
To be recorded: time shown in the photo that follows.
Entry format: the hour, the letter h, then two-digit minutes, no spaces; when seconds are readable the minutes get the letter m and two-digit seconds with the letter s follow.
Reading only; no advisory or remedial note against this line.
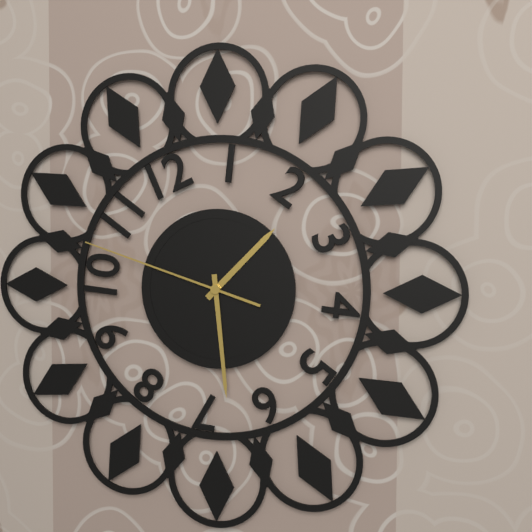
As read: 1h29m48s
